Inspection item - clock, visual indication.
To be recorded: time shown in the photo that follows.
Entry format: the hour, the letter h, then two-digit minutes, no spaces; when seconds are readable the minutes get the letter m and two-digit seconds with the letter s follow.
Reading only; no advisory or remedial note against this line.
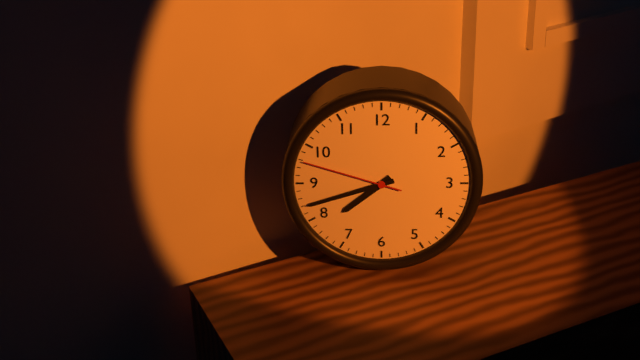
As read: 7h42m48s
